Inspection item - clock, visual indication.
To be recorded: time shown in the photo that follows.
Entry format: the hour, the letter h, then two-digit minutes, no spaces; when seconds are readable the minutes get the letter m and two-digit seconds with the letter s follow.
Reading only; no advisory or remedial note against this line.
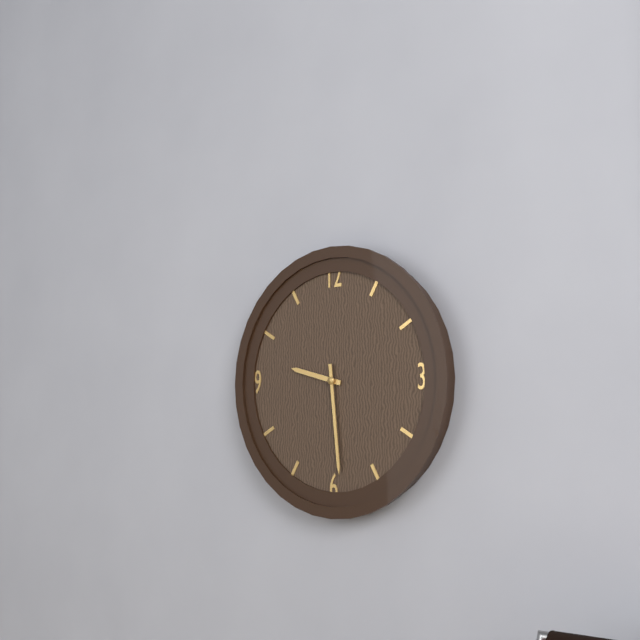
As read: 9h29
